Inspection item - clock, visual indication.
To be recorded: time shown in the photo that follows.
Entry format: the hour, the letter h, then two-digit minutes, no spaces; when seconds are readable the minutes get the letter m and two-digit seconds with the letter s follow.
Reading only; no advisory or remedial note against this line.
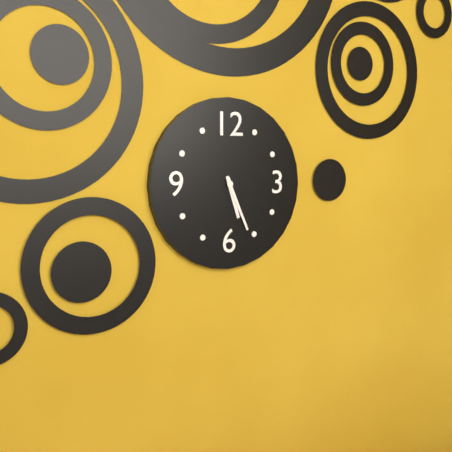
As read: 5h26
